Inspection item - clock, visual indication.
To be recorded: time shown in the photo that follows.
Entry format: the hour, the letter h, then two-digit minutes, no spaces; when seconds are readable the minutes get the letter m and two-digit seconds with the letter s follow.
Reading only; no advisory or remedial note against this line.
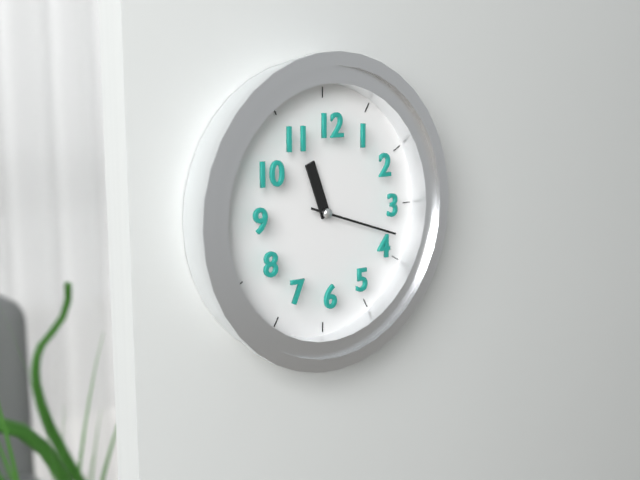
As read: 11h18
